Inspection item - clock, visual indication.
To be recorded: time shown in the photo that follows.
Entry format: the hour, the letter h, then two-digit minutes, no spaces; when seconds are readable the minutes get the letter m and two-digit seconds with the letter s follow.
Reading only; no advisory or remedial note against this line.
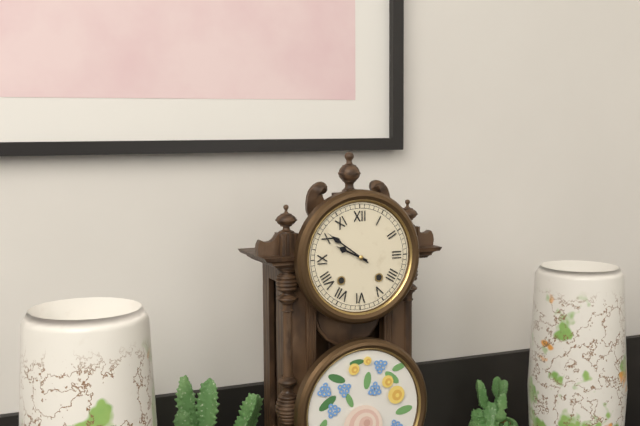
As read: 9h51
